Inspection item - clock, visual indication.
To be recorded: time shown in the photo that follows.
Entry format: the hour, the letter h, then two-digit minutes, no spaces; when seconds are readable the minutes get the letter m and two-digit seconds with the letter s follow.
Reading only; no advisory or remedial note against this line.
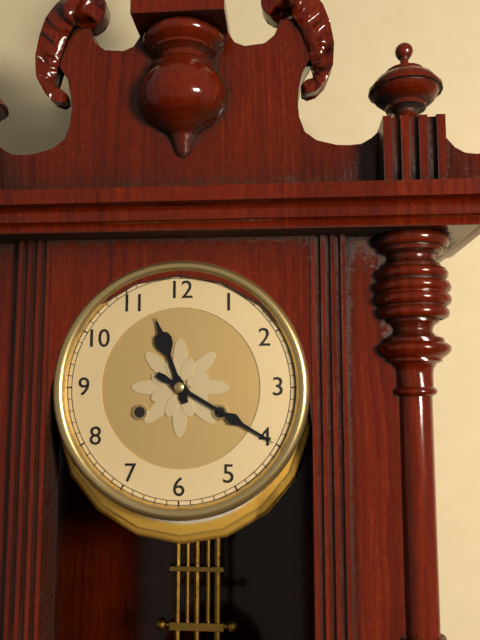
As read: 11h20
